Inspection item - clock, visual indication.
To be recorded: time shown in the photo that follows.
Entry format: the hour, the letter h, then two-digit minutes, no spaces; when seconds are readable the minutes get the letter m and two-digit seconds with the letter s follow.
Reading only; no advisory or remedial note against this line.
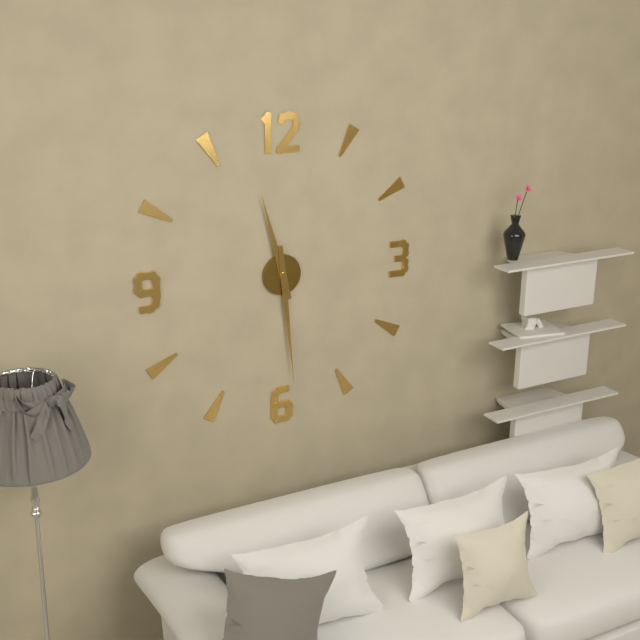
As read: 11h29
